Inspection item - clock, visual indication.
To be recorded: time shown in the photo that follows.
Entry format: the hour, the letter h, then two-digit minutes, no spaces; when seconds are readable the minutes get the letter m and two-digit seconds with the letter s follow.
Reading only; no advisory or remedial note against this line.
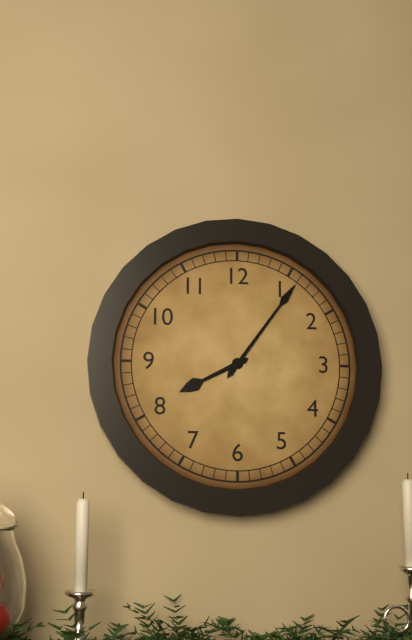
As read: 8h06
